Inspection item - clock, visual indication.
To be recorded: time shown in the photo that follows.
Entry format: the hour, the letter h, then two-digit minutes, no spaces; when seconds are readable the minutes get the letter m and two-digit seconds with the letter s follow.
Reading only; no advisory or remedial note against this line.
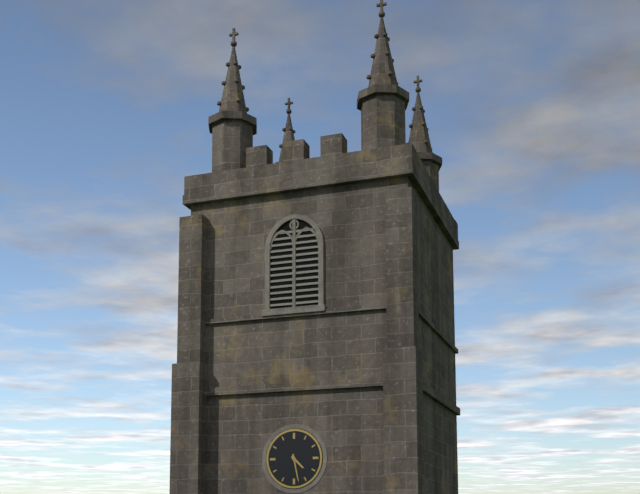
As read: 4h28
